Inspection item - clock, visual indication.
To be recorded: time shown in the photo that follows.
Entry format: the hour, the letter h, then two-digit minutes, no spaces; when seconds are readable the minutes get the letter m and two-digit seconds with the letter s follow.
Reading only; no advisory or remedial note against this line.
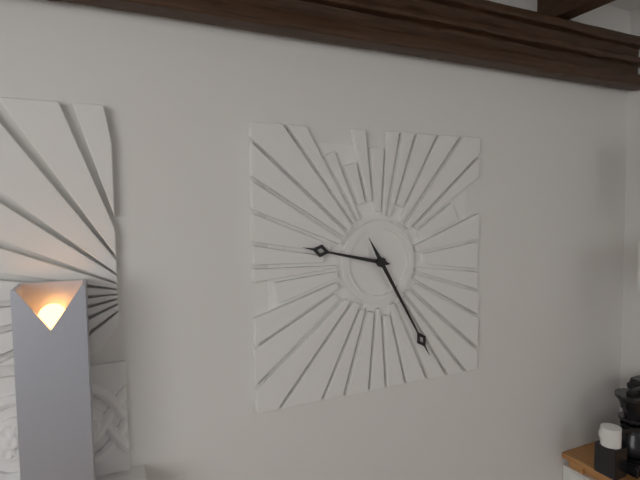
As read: 9h25
